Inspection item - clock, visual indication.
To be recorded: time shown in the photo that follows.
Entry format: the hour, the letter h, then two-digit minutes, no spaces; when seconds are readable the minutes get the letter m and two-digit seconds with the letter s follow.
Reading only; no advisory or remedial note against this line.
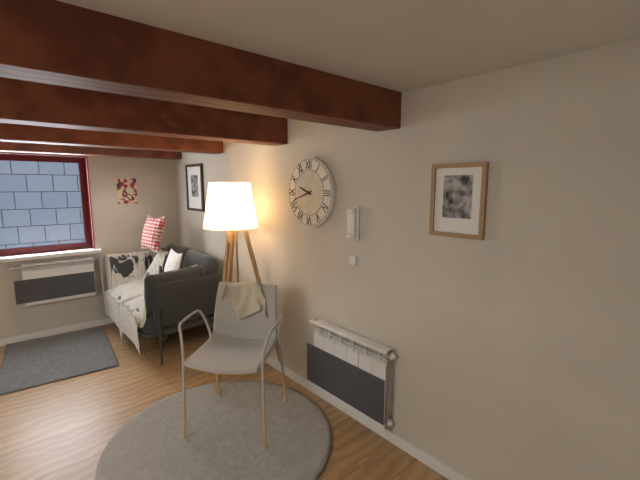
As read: 9h42
